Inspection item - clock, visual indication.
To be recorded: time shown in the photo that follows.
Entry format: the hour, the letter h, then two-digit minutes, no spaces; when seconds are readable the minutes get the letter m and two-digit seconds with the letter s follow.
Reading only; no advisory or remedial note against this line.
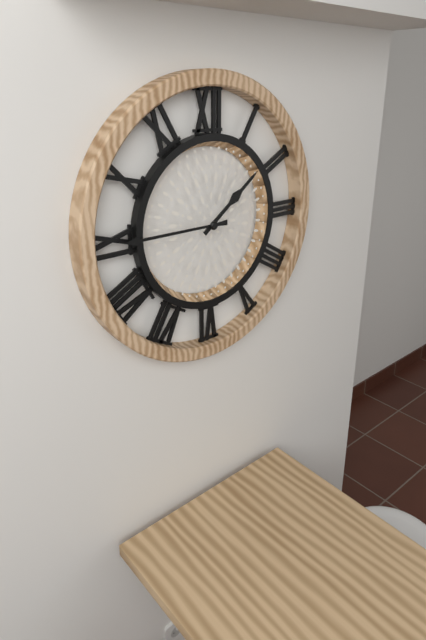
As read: 1h45
